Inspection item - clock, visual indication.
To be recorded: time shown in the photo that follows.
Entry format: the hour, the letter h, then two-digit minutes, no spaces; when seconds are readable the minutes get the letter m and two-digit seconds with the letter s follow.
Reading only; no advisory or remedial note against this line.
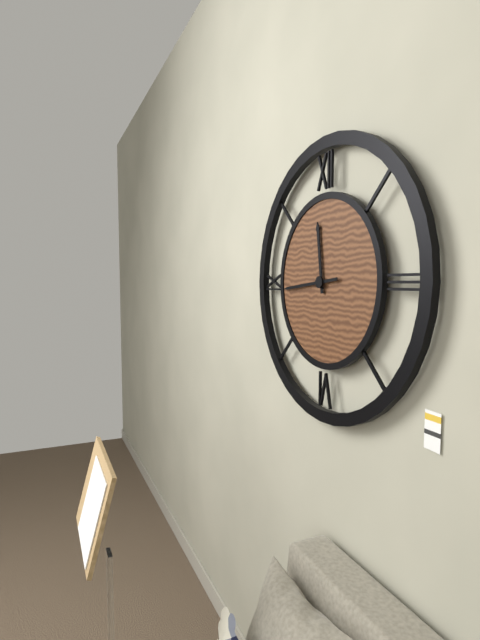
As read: 11h44
